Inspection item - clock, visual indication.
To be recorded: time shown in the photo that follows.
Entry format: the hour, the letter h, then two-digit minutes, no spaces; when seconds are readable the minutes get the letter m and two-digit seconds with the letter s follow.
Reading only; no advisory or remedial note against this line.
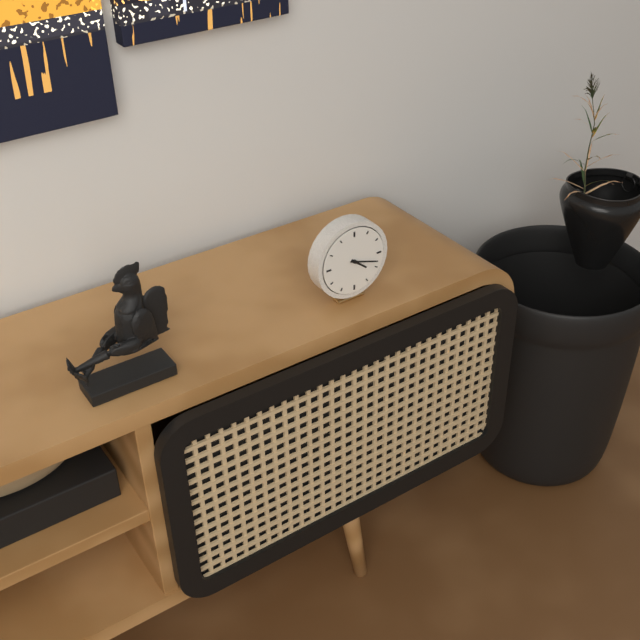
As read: 4h18
